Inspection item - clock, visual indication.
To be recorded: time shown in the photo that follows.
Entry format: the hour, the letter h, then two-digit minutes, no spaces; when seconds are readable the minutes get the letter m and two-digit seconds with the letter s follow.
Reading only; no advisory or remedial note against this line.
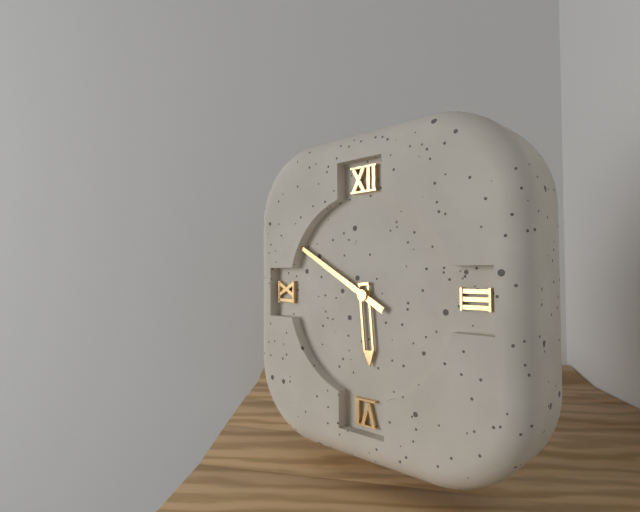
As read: 5h50
